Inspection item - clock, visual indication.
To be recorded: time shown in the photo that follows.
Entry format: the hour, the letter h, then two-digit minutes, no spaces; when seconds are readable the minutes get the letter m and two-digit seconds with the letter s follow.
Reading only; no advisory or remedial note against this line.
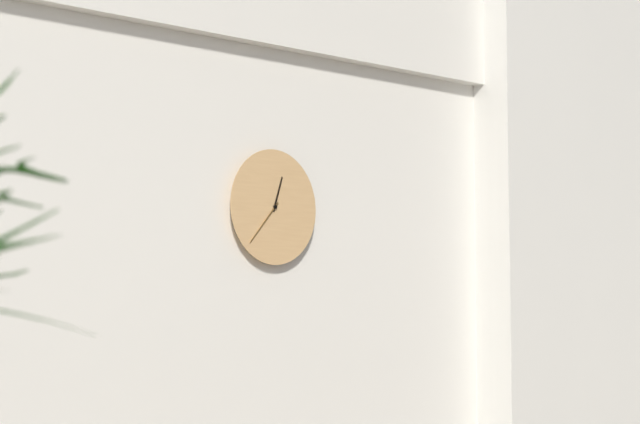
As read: 12h37
